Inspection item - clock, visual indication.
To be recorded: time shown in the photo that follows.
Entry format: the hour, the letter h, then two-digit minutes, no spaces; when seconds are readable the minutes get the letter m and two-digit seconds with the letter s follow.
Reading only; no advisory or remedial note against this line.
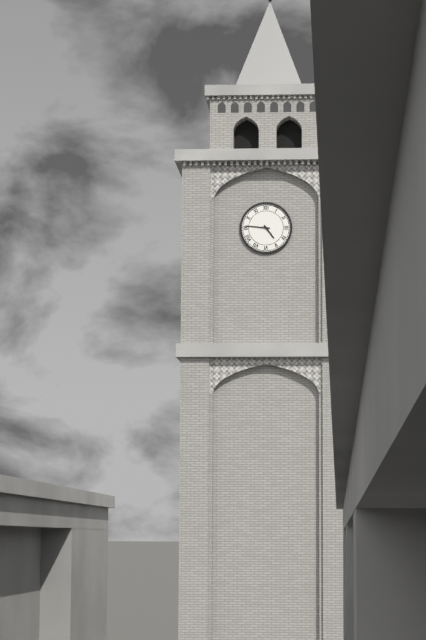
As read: 4h46
